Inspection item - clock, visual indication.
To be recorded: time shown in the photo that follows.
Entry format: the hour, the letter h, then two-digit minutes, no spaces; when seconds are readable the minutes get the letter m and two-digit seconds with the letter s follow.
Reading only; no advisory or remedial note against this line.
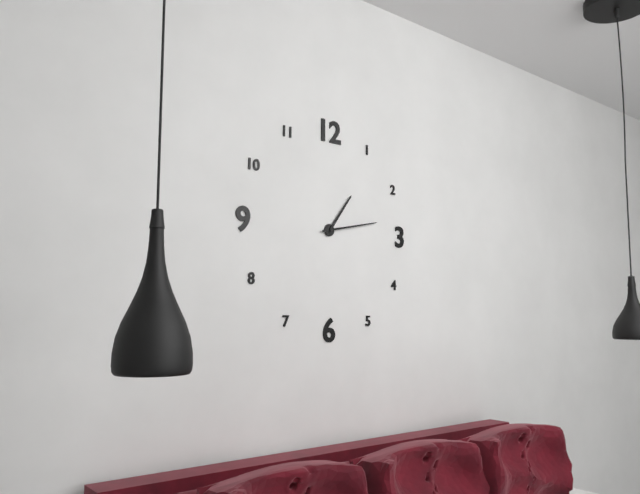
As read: 1h13
